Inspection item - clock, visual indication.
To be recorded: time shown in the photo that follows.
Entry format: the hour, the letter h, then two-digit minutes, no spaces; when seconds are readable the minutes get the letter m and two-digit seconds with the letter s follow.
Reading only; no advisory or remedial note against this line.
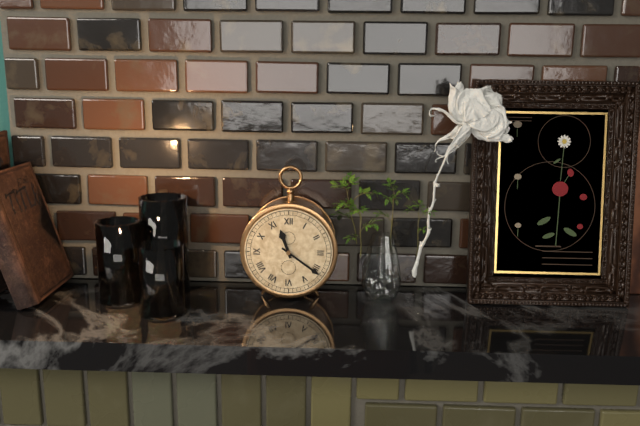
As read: 11h21
